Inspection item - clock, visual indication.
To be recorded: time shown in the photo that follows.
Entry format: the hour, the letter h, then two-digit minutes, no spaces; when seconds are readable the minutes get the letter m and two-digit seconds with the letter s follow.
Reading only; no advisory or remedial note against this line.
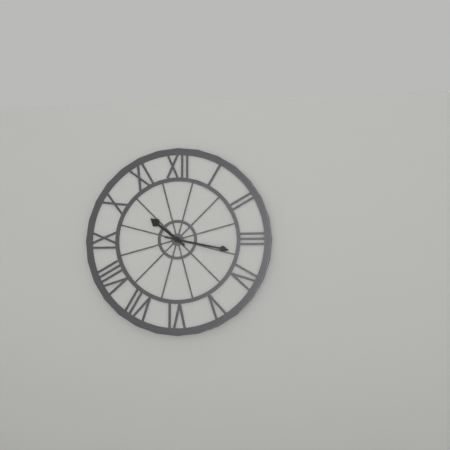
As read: 10h17
